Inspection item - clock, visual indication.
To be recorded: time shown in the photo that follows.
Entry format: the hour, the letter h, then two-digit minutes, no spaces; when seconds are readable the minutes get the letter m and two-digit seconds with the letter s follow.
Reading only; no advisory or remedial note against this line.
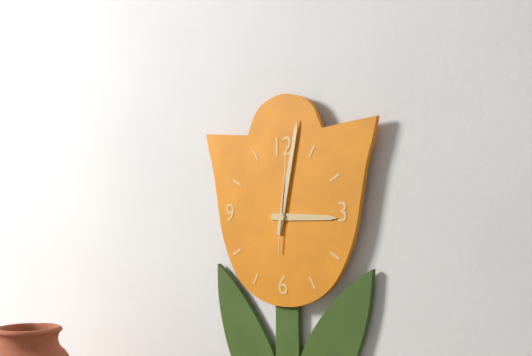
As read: 3h02m01s
